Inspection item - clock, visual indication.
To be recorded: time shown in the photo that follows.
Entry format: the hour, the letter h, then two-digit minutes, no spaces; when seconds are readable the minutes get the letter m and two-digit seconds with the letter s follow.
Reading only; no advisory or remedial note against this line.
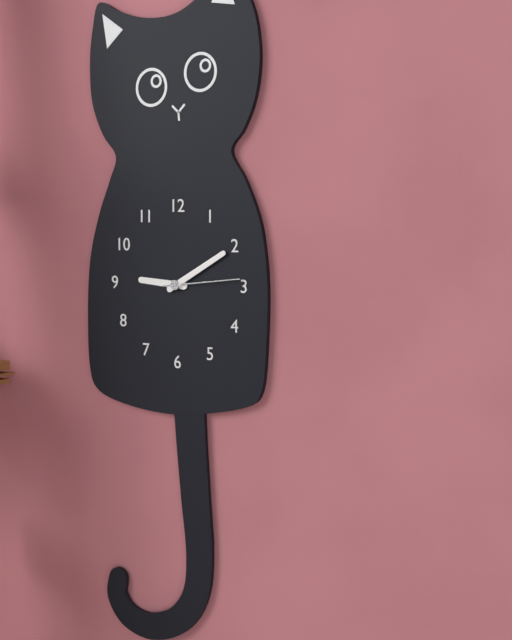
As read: 9h10m14s
